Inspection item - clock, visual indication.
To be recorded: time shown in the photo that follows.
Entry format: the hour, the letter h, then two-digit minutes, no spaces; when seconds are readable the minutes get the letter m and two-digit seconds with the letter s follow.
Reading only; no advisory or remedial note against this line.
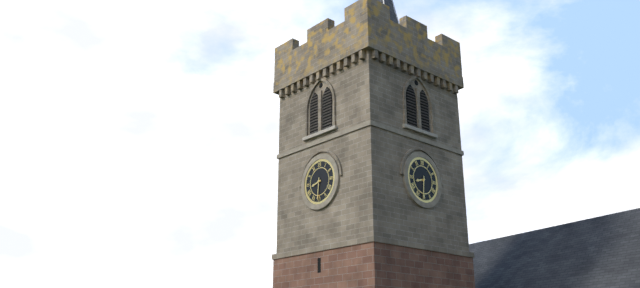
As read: 8h31
